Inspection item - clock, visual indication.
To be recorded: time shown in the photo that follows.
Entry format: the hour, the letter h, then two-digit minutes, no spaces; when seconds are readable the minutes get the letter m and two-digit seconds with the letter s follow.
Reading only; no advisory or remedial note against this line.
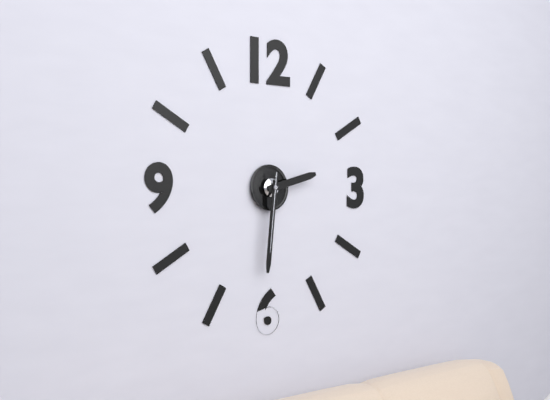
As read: 2h31m31s
